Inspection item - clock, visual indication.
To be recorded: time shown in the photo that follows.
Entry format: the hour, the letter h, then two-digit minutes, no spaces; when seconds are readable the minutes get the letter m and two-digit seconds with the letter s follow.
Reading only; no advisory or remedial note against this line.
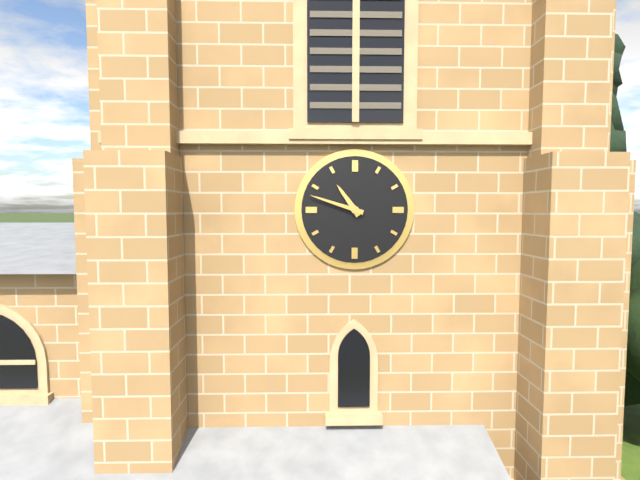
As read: 10h48
